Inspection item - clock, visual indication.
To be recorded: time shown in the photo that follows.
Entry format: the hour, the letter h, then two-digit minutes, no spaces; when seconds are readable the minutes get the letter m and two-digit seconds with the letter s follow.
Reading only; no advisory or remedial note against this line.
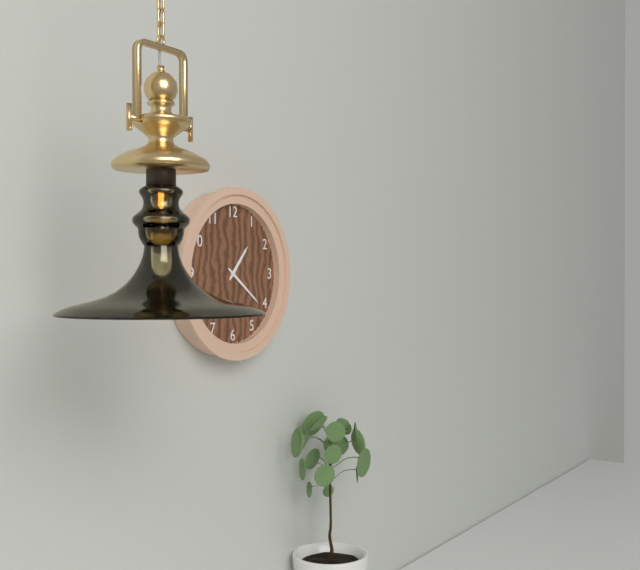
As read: 1h21
